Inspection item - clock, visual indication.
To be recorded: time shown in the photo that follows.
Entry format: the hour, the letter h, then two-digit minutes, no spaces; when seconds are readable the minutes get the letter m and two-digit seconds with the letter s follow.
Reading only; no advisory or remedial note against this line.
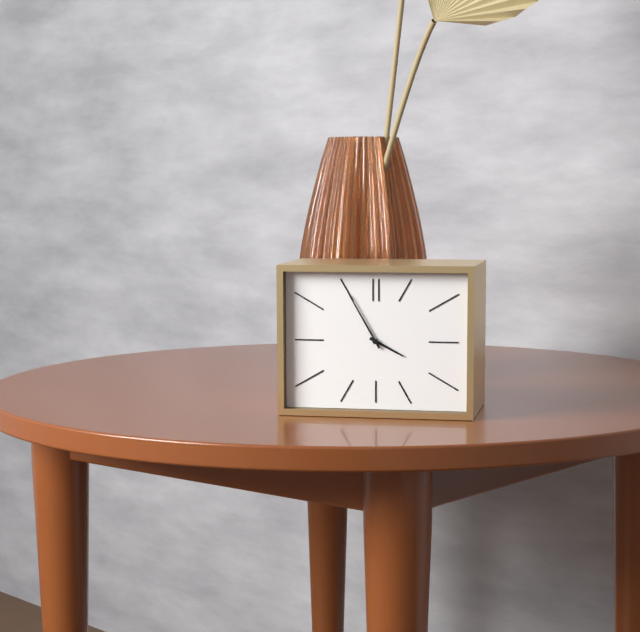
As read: 3h55
